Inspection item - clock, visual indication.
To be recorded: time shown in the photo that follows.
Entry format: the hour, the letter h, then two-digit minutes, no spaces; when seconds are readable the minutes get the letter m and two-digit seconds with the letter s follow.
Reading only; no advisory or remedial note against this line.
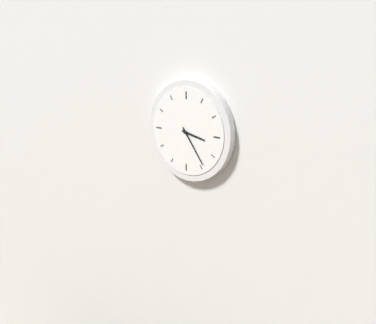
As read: 3h24
